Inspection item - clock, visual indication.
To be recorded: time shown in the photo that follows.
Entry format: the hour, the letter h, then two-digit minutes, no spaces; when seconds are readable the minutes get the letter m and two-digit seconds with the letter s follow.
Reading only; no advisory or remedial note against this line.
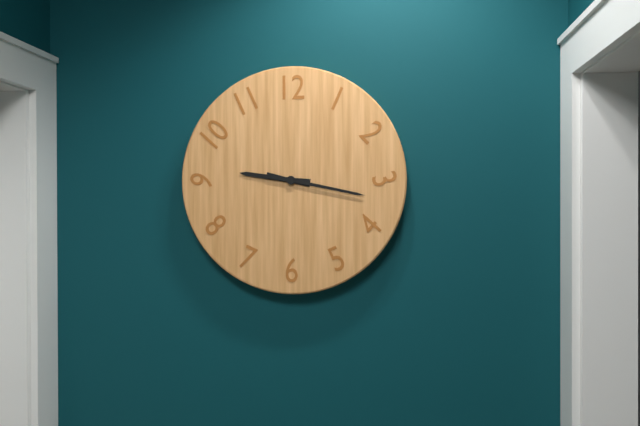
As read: 9h17
